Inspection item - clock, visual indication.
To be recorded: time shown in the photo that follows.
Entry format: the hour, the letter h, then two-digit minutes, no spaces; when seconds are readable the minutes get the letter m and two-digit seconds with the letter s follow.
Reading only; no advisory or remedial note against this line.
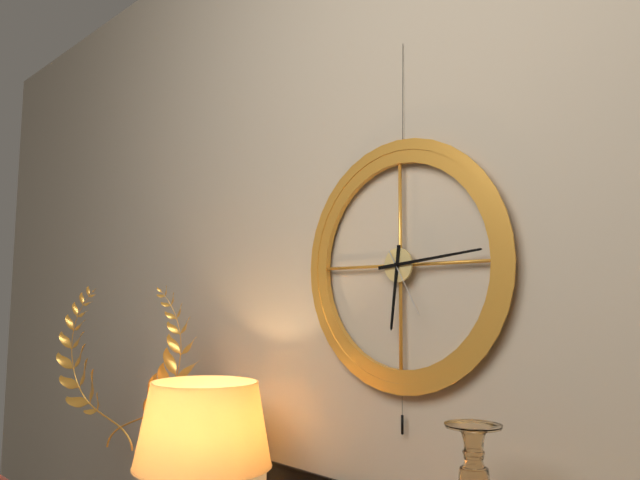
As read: 6h14m25s
